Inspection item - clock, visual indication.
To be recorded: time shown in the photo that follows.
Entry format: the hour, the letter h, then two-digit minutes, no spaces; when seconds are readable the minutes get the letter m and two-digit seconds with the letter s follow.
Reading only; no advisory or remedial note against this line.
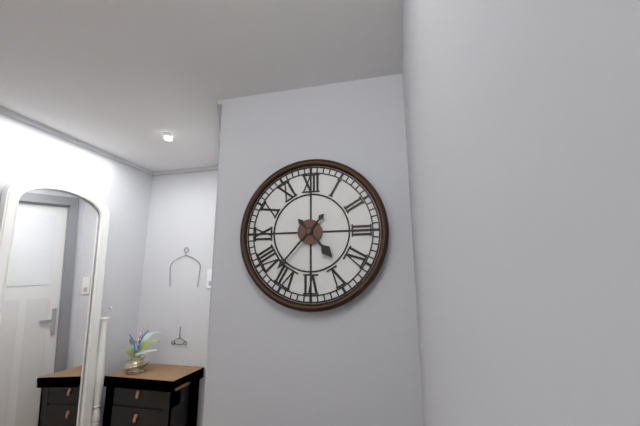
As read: 4h37
